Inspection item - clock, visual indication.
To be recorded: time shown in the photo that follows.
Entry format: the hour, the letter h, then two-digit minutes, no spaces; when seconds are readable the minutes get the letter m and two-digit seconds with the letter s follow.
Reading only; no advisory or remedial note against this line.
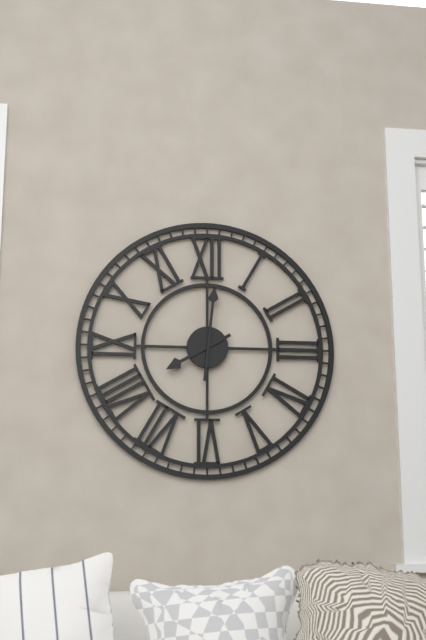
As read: 8h01
